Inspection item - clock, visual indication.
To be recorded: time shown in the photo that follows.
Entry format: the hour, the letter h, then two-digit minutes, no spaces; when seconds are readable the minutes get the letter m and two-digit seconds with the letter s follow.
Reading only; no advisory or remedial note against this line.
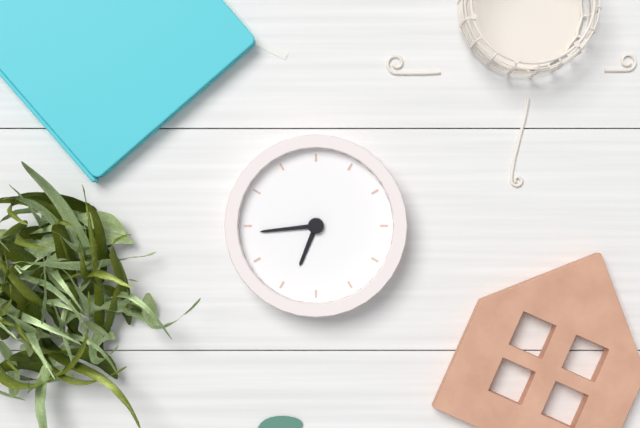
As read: 6h44
